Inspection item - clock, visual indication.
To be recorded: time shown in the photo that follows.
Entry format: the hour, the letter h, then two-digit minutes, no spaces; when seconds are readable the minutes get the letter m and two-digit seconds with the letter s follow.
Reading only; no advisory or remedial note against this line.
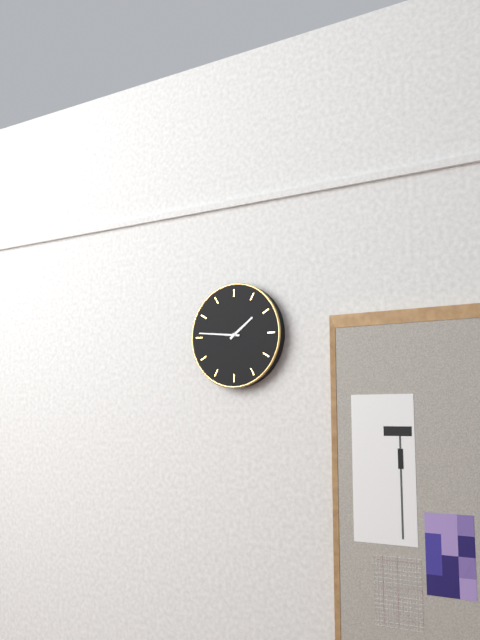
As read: 1h46
